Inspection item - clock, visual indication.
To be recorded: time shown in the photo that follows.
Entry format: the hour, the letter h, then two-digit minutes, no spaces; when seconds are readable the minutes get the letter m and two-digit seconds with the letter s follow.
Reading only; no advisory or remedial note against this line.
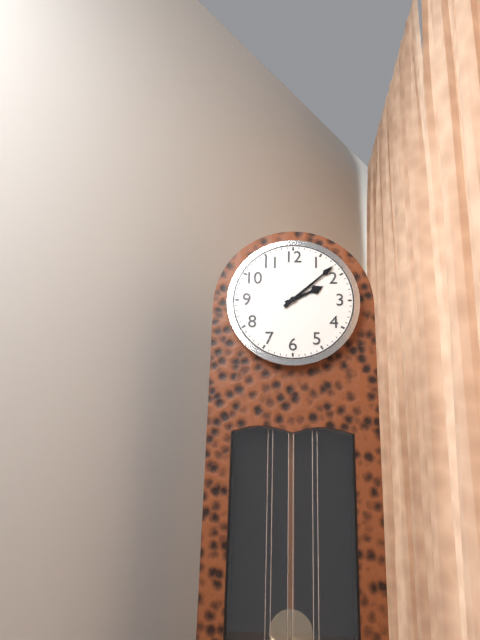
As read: 2h08
